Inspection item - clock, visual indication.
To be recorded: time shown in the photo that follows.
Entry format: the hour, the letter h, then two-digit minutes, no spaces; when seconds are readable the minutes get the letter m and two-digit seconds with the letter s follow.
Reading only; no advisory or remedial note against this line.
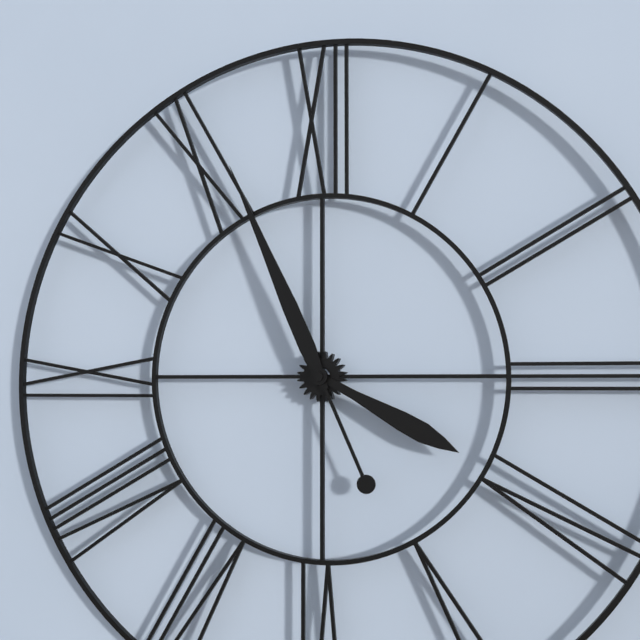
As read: 3h56
